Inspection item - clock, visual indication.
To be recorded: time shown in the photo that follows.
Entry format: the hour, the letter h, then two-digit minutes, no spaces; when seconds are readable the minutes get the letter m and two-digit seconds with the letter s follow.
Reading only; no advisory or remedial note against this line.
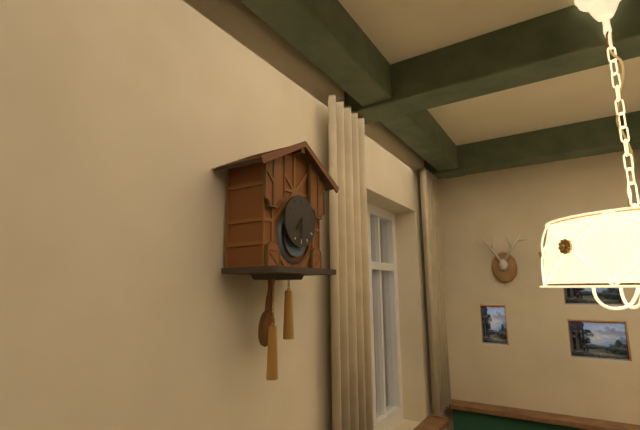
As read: 7h30
